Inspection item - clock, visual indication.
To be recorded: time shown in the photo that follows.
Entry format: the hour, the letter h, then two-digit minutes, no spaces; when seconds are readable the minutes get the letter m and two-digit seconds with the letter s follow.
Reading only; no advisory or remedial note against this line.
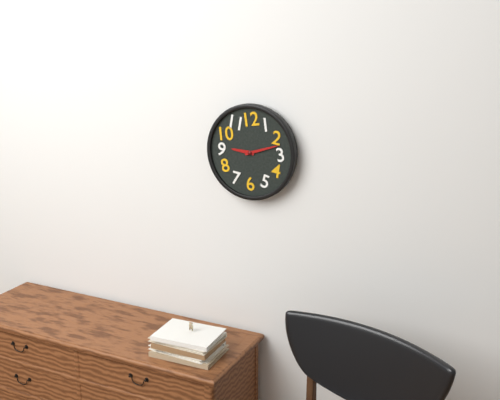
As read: 9h12
